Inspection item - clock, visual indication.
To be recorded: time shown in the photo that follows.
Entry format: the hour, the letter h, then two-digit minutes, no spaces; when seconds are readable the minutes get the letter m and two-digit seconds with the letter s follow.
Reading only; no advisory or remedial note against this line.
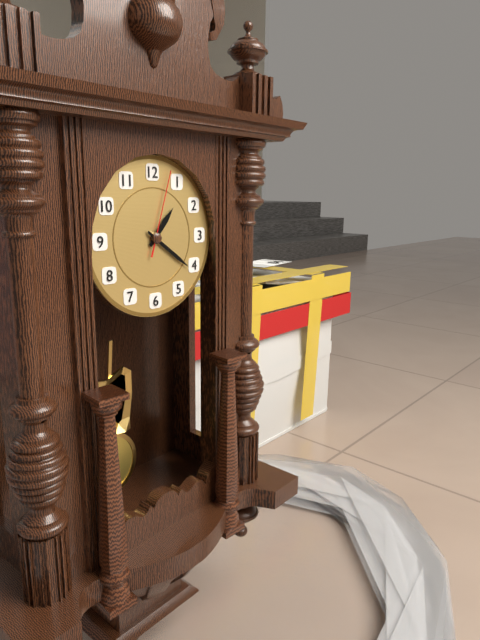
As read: 1h21m03s
